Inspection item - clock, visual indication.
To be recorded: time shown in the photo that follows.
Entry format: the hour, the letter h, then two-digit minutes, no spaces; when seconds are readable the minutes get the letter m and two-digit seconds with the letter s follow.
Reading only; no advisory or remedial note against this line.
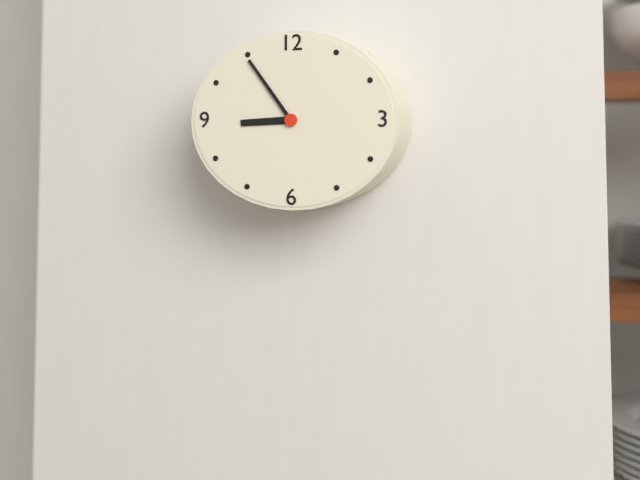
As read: 8h54
